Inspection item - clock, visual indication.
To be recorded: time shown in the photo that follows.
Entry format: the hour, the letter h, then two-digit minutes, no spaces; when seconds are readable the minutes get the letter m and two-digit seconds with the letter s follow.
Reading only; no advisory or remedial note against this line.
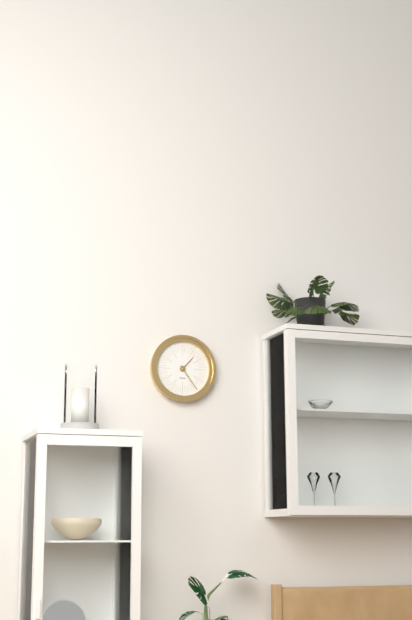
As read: 1h24
